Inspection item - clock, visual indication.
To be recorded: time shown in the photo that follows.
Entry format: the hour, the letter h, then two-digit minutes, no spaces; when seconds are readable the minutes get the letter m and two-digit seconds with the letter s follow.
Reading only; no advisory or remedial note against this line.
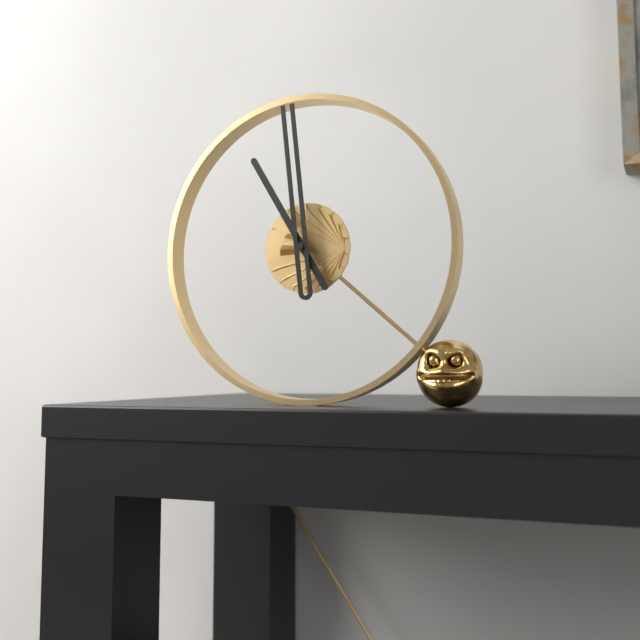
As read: 10h59
